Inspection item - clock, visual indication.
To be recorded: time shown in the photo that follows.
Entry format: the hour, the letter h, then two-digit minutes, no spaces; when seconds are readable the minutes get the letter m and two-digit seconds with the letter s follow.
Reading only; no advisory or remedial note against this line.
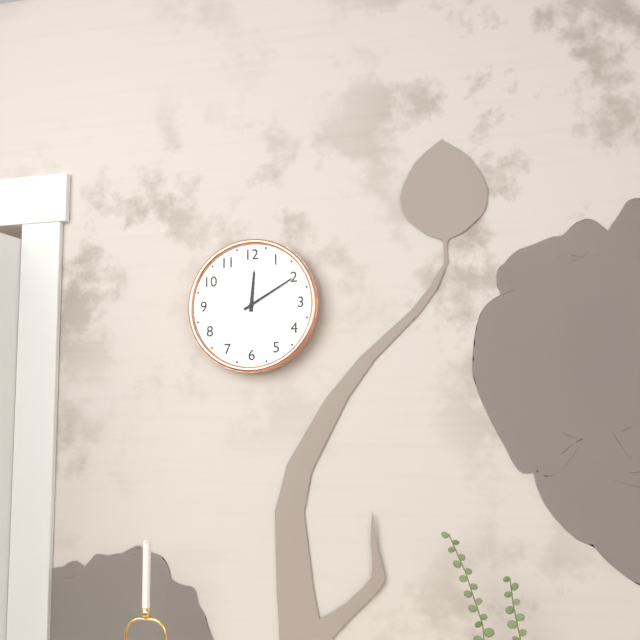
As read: 12h10
